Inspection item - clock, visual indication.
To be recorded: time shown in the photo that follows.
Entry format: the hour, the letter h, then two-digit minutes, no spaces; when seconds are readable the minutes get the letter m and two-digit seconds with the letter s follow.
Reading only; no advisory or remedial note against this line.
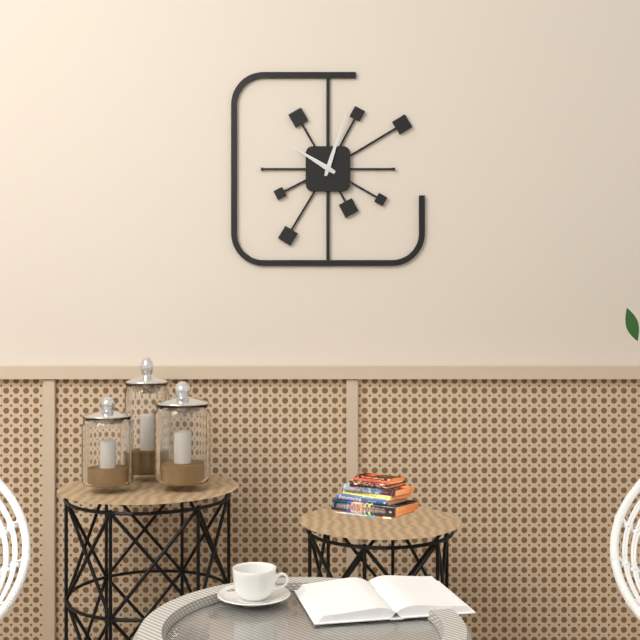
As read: 10h03
